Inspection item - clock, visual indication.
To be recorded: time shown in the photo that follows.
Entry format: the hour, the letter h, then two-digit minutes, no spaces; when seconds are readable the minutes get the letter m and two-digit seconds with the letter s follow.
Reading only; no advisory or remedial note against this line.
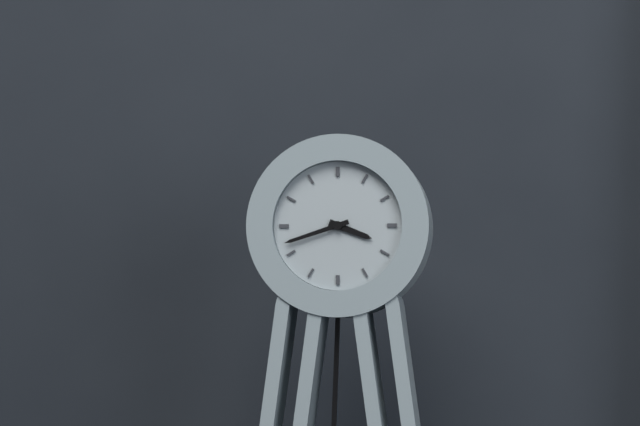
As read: 3h42
